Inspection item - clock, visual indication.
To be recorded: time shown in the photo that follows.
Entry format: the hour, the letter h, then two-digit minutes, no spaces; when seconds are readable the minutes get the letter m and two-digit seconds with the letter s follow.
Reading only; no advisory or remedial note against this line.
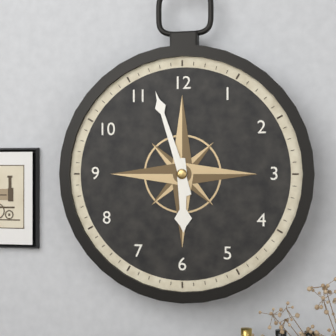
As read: 5h57
